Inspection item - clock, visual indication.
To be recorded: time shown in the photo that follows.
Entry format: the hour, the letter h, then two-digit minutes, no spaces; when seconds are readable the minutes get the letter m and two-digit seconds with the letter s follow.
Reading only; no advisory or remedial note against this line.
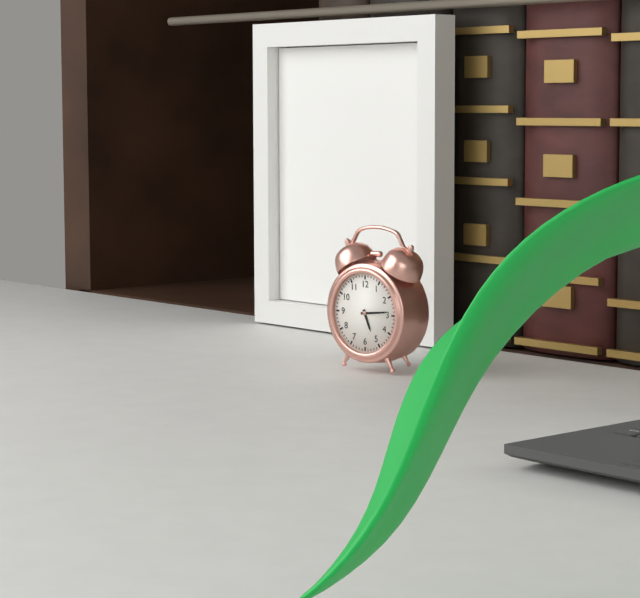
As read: 5h14
